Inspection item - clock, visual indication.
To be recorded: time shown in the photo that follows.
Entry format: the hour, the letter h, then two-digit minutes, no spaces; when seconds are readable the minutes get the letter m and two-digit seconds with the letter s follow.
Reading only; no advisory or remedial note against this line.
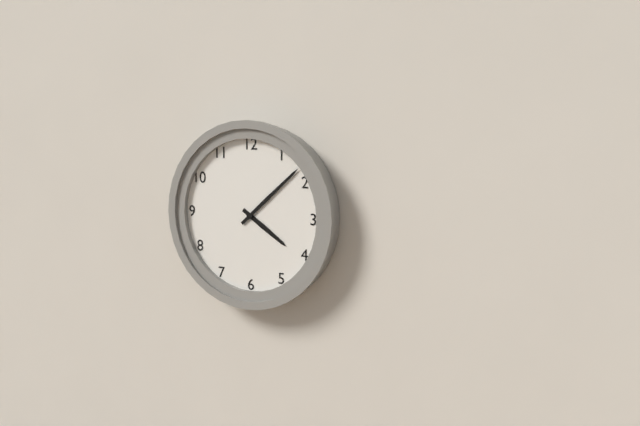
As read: 4h08
